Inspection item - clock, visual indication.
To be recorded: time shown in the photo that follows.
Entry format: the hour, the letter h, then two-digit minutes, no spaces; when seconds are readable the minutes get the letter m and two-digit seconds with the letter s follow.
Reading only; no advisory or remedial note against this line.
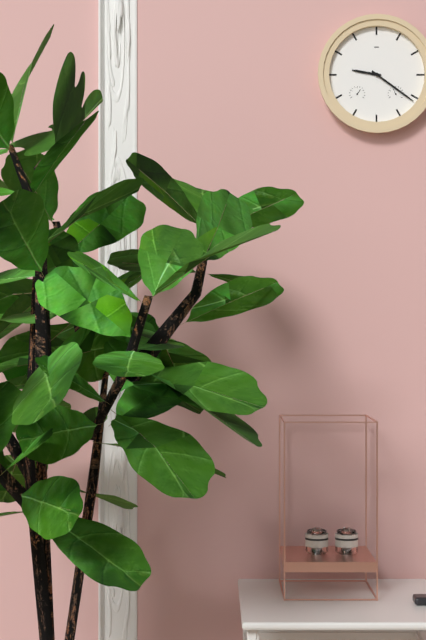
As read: 9h21
